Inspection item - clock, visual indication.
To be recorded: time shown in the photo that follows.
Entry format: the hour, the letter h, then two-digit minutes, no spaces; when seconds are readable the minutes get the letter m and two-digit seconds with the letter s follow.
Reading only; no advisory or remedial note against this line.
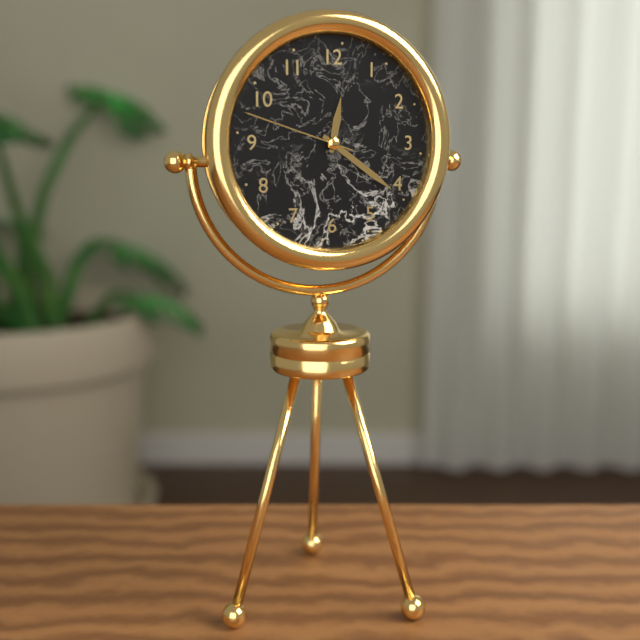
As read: 12h21m48s
